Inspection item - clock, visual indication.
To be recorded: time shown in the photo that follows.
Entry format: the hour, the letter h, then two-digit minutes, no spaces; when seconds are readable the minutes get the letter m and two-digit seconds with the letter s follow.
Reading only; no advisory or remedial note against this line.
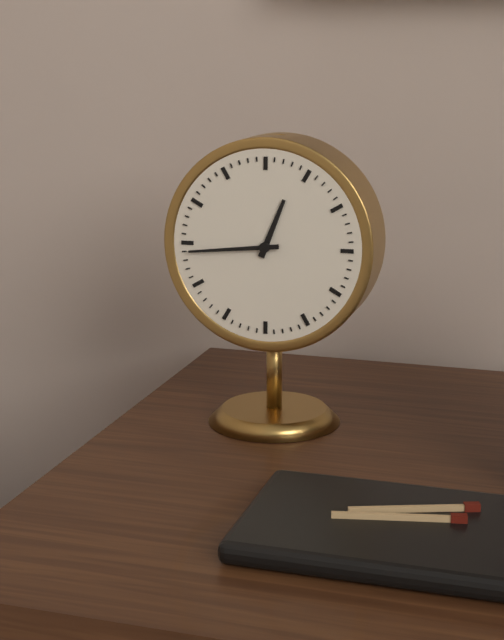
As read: 12h44
